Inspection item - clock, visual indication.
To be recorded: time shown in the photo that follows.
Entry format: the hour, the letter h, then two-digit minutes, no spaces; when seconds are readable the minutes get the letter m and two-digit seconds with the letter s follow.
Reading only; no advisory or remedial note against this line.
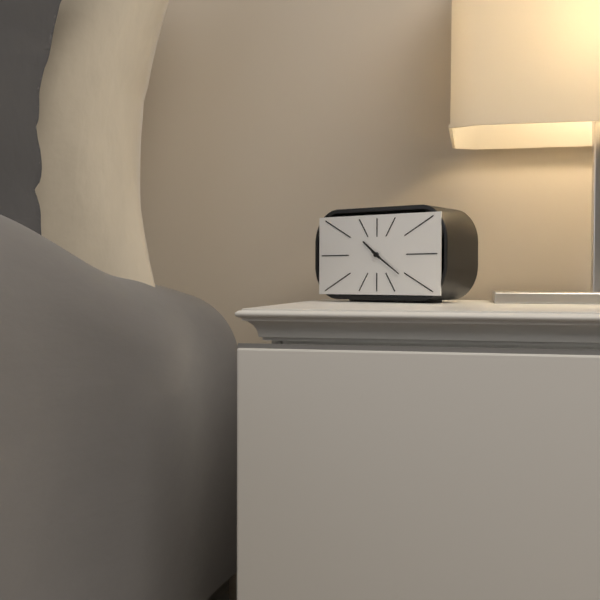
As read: 10h21
